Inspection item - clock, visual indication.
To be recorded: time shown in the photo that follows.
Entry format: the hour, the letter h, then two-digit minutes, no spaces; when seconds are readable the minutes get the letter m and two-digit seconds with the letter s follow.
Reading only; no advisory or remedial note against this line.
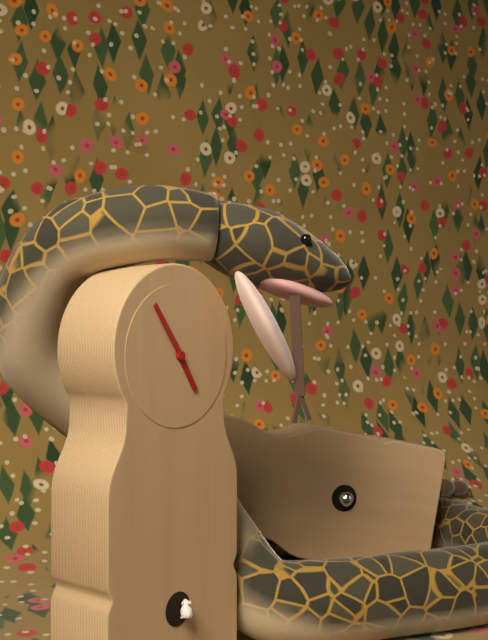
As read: 4h54
